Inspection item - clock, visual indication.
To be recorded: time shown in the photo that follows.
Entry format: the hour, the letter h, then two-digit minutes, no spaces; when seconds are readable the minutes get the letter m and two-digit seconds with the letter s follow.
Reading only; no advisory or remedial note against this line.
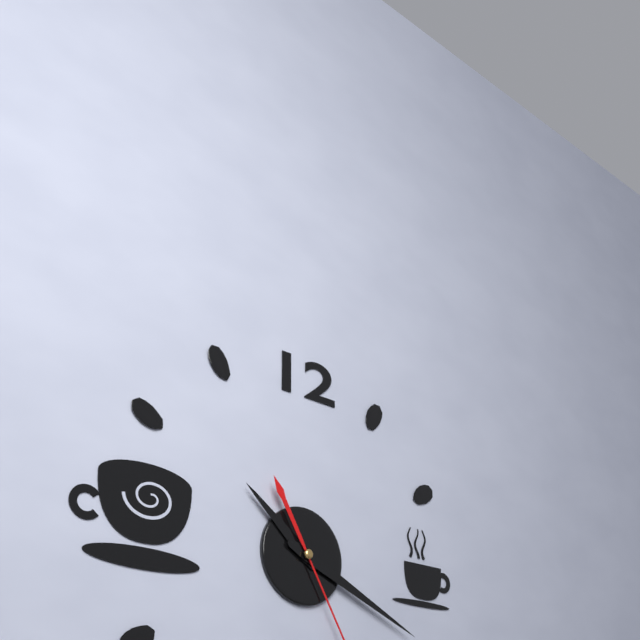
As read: 10h19
